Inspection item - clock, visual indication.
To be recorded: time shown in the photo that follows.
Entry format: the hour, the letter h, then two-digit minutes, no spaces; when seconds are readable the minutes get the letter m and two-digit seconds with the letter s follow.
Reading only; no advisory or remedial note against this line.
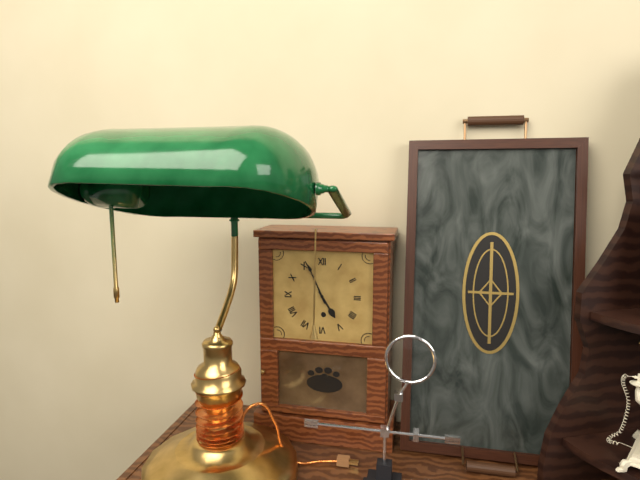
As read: 4h56
